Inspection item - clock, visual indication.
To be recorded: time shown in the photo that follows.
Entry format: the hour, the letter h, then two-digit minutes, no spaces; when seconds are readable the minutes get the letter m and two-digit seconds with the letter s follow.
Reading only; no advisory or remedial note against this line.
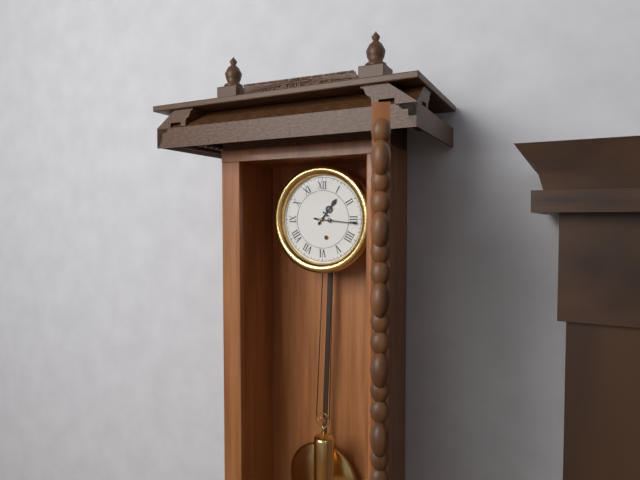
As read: 1h16
